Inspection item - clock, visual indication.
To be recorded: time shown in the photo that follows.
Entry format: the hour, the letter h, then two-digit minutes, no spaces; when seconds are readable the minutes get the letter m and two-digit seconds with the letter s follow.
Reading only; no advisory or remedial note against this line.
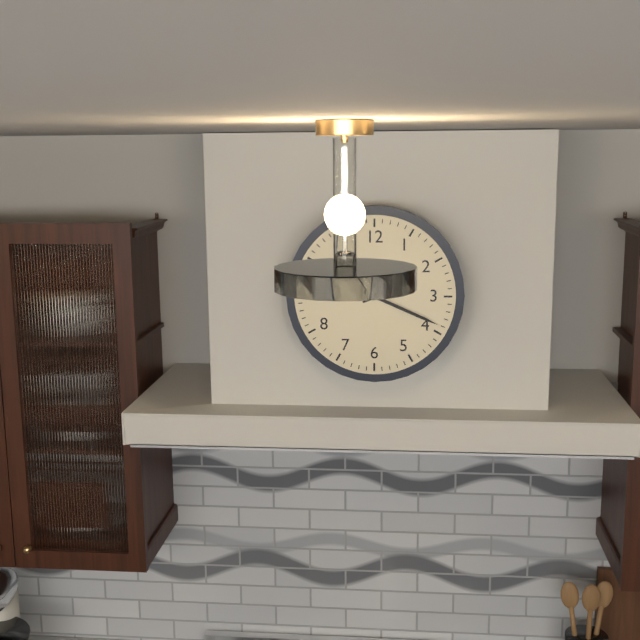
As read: 2h19
